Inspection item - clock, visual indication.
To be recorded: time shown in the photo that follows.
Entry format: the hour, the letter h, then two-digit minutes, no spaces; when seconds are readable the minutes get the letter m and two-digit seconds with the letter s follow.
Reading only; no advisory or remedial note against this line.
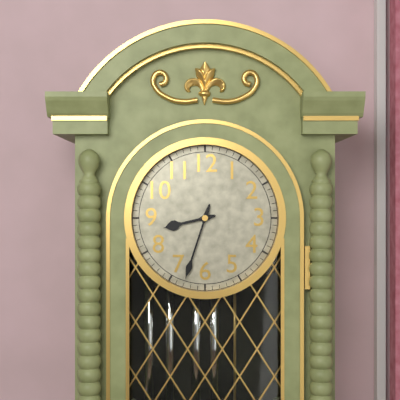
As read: 8h33
